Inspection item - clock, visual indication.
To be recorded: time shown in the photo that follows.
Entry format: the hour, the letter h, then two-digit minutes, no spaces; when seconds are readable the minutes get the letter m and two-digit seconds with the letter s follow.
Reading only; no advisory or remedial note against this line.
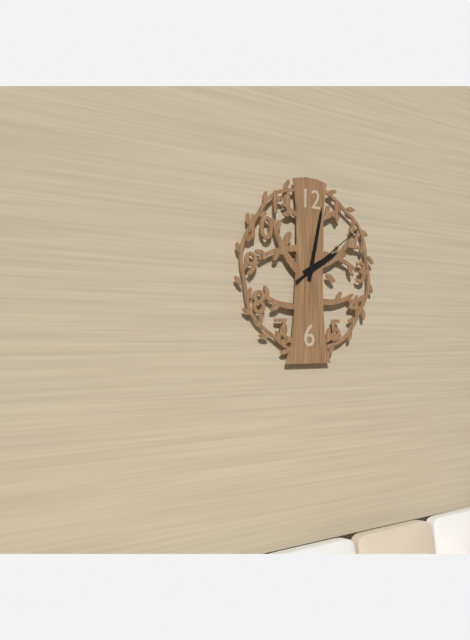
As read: 2h02m09s
